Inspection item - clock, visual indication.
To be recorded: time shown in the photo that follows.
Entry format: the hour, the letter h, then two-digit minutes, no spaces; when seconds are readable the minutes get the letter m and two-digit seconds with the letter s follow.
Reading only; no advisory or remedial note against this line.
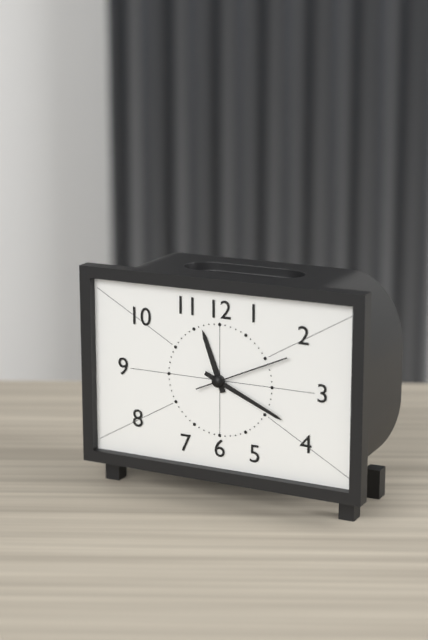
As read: 11h19m11s
